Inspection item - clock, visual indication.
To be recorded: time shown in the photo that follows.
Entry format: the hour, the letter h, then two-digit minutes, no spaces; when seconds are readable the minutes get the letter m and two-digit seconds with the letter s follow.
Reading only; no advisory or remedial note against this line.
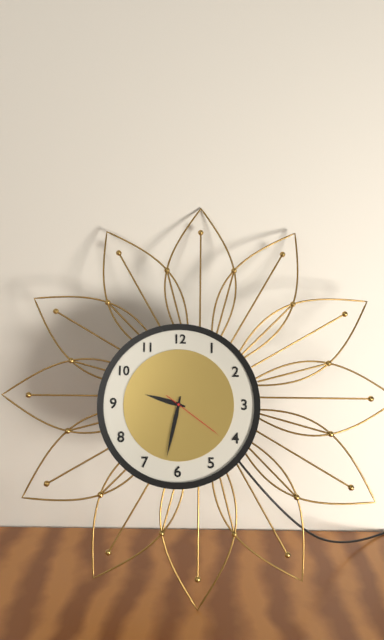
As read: 9h32m21s
